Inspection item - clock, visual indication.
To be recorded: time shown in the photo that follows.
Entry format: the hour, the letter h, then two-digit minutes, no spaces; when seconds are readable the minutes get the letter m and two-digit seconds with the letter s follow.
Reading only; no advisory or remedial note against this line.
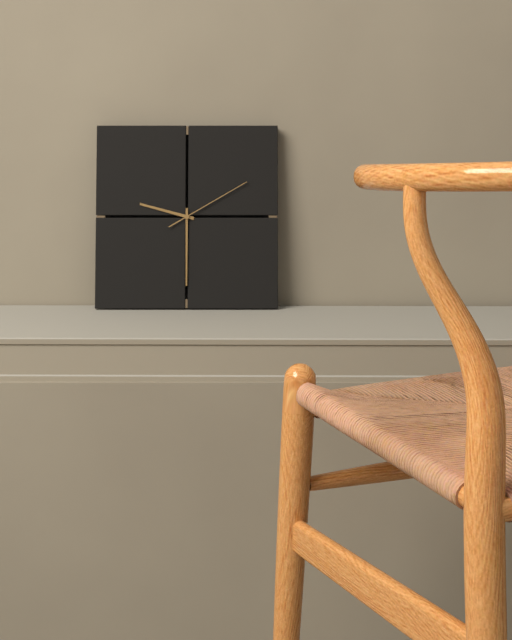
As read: 9h30m10s
